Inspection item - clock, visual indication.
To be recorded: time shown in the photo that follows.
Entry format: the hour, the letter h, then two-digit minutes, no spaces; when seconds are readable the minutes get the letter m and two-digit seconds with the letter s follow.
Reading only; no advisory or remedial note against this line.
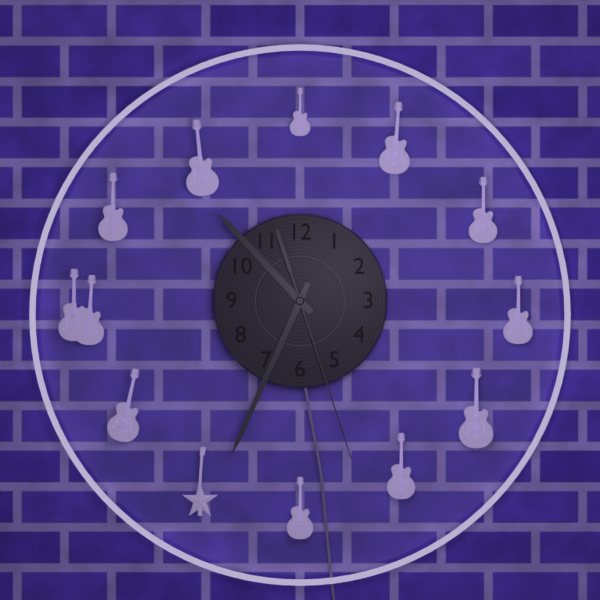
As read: 10h34m27s
